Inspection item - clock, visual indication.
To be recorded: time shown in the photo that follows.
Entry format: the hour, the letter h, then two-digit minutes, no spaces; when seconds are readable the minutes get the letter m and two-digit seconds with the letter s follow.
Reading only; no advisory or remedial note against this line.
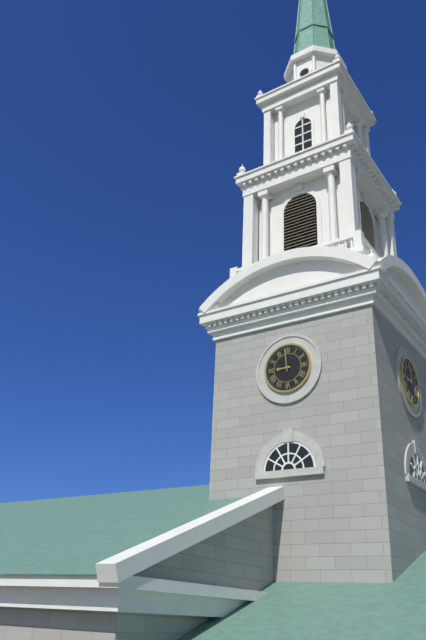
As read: 8h59
